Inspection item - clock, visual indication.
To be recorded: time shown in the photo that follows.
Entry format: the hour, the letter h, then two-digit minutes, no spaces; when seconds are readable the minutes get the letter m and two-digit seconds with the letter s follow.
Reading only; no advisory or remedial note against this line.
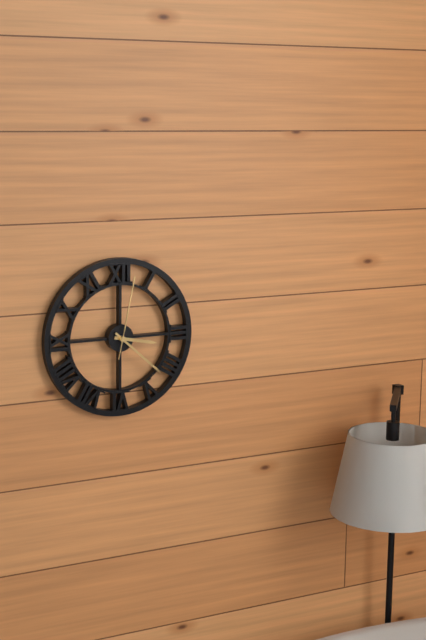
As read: 3h22m02s
